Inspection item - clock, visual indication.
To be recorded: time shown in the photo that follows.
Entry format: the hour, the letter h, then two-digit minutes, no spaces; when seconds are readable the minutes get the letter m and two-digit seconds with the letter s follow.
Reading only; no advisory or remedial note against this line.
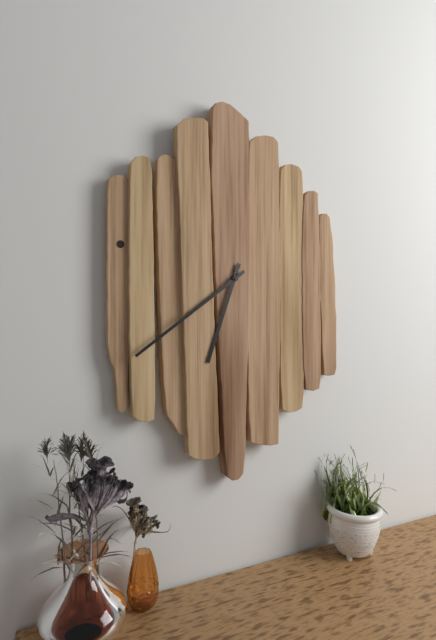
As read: 6h39
